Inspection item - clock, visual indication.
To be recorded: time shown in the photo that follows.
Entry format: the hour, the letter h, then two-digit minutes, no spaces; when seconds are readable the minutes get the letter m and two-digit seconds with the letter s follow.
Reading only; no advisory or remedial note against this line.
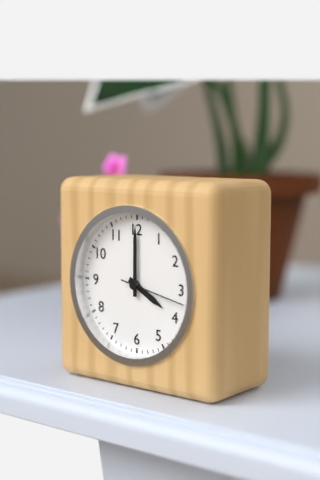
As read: 4h00m17s
